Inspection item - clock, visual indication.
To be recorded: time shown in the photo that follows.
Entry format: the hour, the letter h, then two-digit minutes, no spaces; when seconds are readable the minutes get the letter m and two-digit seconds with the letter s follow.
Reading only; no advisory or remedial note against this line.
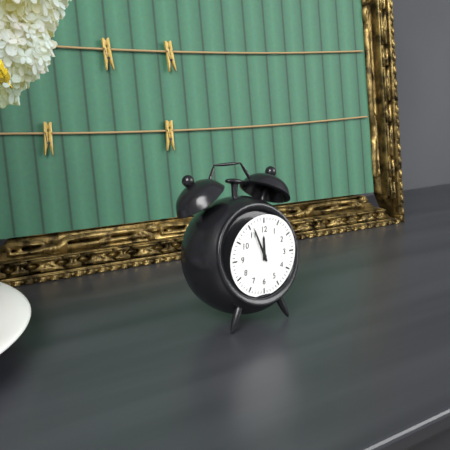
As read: 11h56
